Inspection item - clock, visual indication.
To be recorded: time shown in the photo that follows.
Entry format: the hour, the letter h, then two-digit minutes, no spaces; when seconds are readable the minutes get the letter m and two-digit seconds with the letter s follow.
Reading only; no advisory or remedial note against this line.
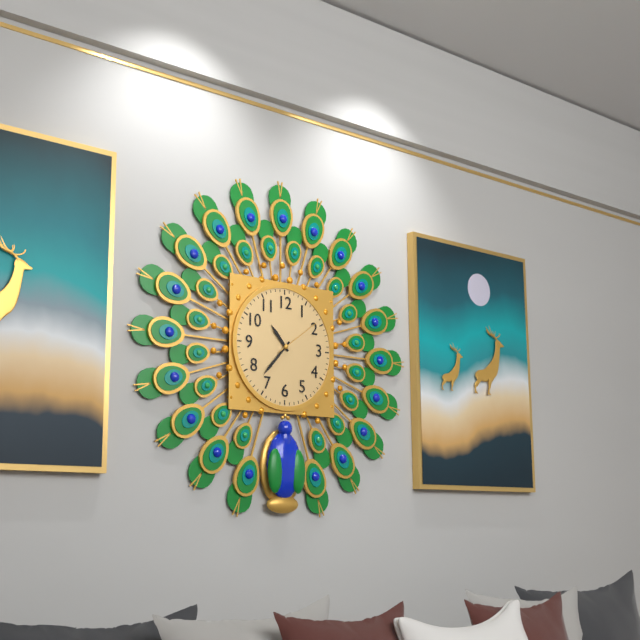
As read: 10h37m09s
